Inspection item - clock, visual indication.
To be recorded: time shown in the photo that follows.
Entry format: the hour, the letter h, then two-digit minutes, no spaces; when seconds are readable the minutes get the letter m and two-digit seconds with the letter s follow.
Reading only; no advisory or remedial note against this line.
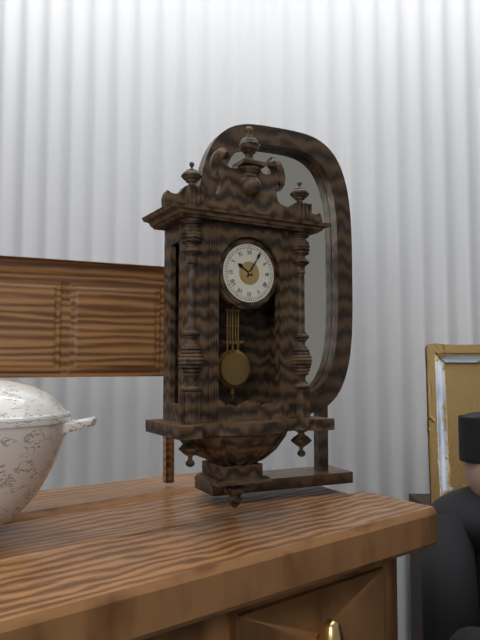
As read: 10h05
